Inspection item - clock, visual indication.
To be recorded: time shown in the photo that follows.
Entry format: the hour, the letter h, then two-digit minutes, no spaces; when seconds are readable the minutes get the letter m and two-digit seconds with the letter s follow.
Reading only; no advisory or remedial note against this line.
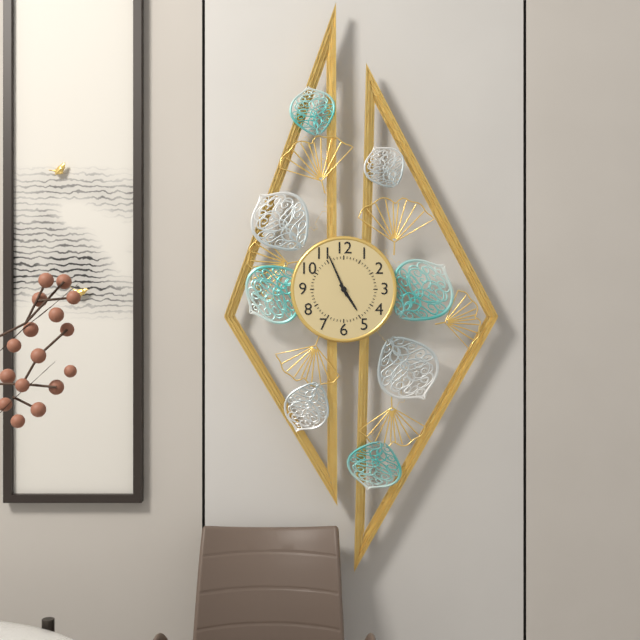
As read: 4h56
